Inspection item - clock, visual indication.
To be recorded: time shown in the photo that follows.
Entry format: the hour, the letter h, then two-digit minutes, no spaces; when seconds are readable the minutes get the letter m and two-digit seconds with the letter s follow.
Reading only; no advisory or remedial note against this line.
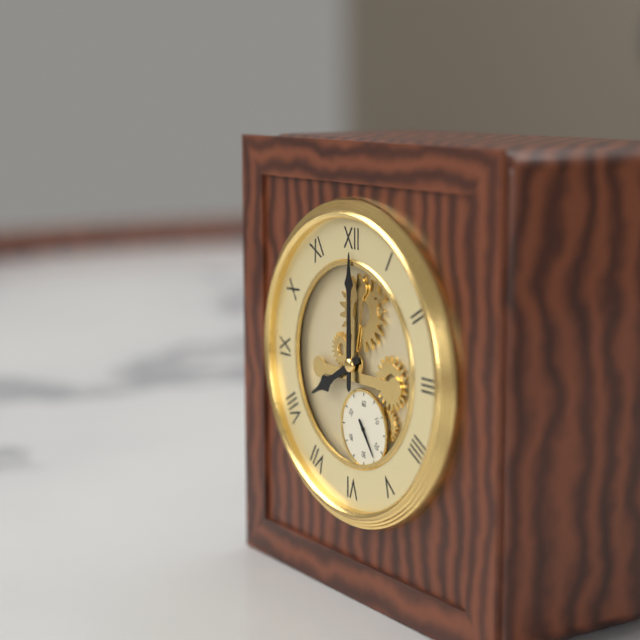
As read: 8h00
